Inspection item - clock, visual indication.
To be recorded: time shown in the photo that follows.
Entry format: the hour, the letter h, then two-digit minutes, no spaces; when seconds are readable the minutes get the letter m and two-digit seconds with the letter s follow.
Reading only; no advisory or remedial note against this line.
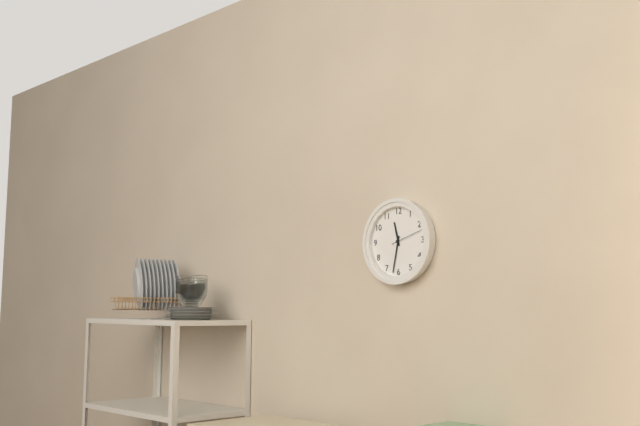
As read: 11h32
